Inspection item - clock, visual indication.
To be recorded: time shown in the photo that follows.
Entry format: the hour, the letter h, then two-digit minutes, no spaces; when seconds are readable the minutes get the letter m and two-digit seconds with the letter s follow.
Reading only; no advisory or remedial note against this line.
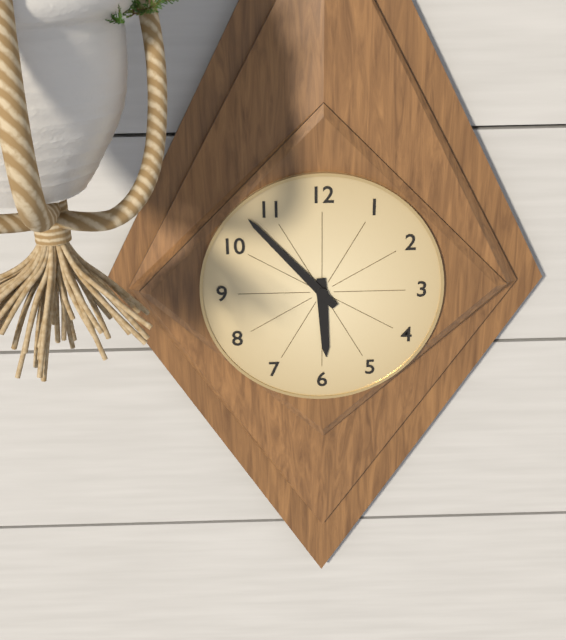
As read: 5h53
